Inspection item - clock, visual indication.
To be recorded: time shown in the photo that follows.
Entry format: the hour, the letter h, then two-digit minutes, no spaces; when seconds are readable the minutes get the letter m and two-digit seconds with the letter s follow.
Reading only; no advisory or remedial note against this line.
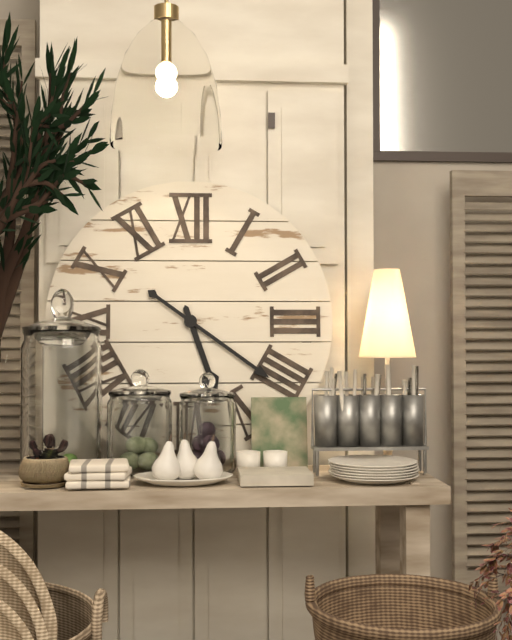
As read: 5h21
